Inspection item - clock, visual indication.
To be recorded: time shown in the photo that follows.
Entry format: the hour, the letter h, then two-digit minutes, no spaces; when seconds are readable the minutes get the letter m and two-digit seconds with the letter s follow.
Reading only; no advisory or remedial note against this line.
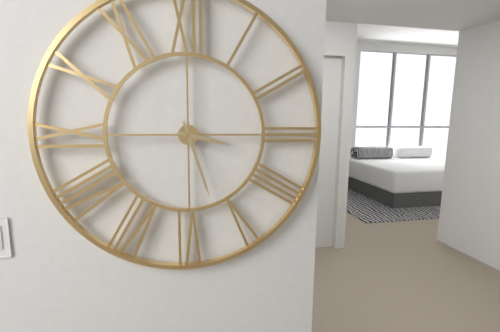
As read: 3h27
